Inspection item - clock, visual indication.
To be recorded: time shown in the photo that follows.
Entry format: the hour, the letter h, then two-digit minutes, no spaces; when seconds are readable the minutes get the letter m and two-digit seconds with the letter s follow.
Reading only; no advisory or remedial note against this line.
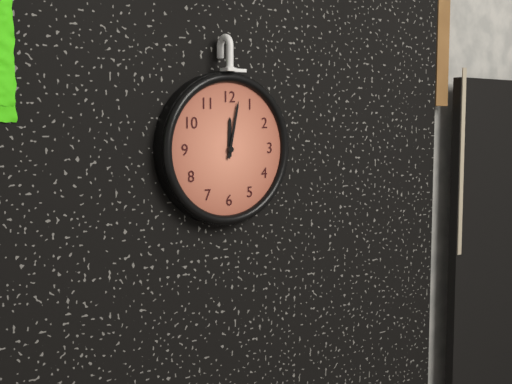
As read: 12h02
